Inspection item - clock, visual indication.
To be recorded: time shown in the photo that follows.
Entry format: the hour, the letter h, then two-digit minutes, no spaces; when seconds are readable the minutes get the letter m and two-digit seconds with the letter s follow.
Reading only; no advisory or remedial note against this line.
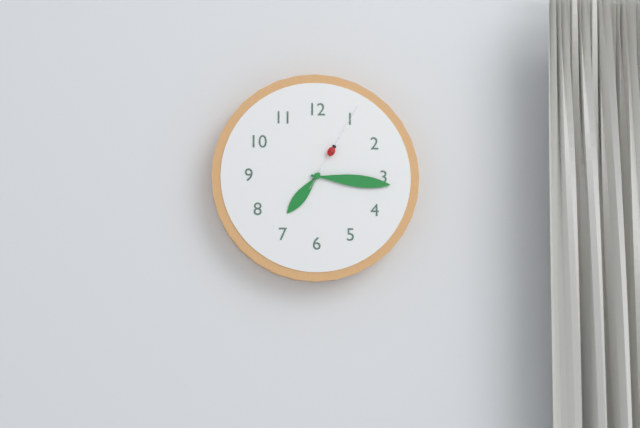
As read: 7h16m05s
